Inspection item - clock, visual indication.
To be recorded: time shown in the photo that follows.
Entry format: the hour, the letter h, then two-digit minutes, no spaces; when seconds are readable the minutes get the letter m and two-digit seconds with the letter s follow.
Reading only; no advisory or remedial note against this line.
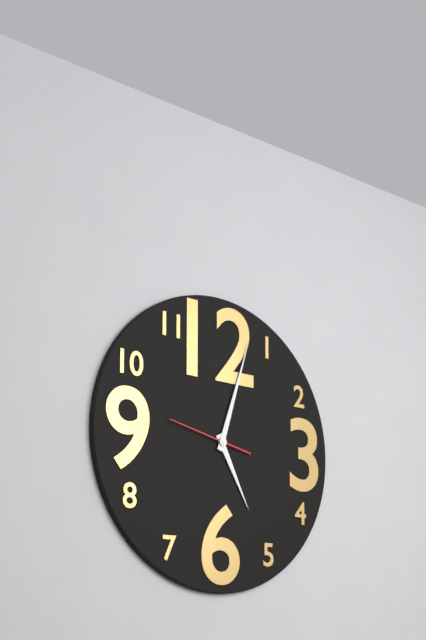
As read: 5h03m47s
